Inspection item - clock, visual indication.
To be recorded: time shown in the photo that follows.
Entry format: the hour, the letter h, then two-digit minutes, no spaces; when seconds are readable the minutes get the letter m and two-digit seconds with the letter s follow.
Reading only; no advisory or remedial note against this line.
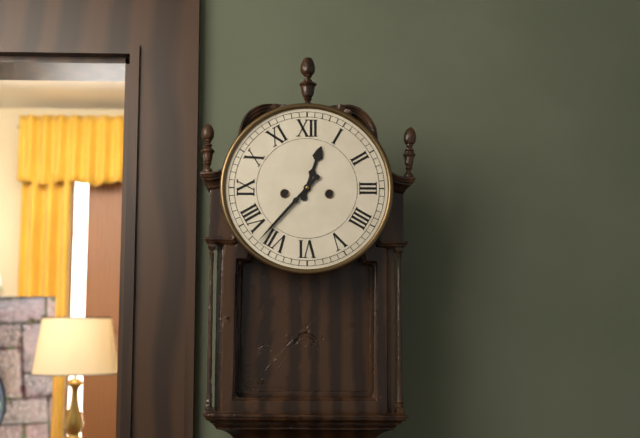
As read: 12h37
